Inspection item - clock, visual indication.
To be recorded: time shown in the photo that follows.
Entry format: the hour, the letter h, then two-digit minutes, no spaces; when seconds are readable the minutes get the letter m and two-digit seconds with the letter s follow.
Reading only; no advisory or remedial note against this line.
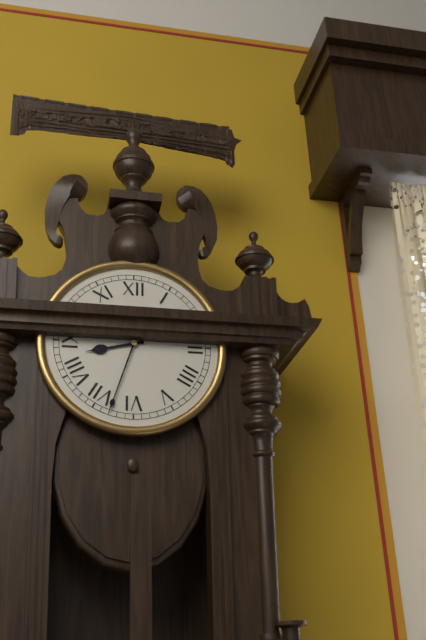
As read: 8h33
